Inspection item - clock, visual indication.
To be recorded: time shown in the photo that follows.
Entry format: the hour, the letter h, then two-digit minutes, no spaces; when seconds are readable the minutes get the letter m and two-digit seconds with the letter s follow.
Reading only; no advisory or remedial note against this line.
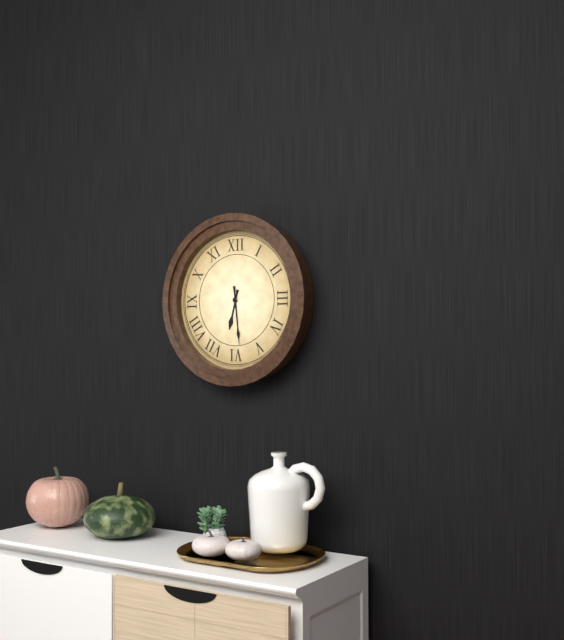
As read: 6h29
